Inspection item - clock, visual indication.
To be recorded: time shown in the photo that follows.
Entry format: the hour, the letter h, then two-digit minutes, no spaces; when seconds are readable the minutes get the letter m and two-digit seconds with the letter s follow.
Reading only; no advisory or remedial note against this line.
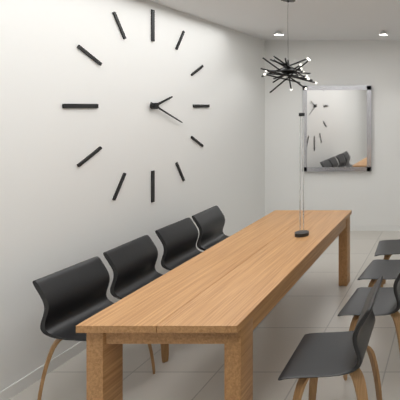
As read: 2h19
